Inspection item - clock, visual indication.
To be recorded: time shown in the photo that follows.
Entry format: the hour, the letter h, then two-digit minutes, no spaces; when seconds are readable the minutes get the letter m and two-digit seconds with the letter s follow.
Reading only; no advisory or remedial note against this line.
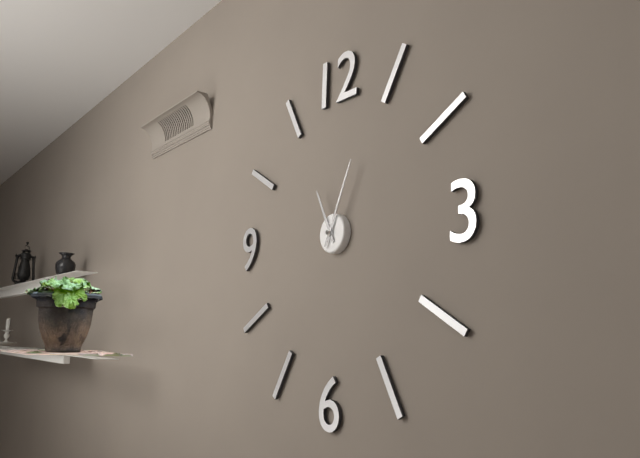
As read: 11h04
